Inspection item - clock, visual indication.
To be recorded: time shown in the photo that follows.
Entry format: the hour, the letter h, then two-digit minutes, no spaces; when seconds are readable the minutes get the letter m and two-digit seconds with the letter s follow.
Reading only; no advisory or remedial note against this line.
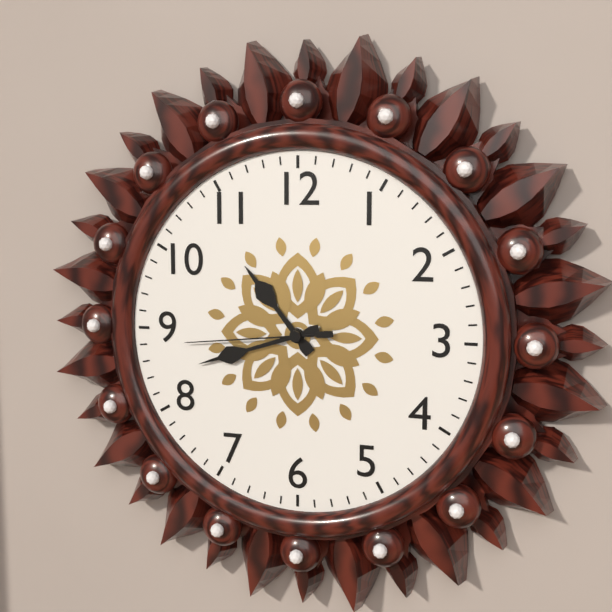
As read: 10h42m44s
